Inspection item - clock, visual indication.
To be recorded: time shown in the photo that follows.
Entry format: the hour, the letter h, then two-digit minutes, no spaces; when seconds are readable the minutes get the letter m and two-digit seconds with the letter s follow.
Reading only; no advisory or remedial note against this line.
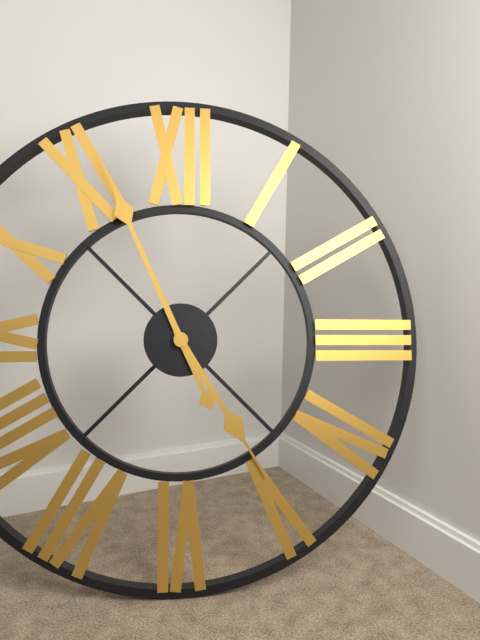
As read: 4h56
